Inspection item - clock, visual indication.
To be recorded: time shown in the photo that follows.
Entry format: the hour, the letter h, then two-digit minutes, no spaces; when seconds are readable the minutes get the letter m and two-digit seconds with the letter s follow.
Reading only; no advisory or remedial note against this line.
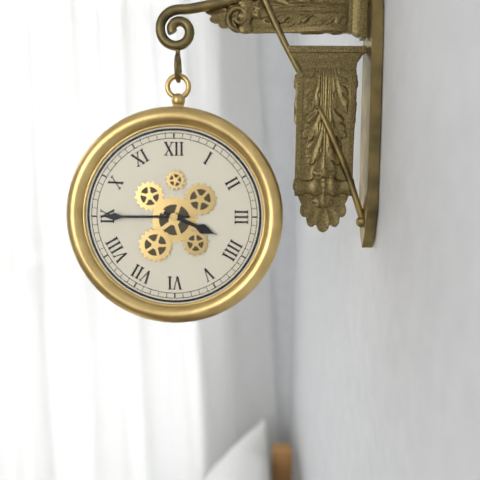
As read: 3h45
